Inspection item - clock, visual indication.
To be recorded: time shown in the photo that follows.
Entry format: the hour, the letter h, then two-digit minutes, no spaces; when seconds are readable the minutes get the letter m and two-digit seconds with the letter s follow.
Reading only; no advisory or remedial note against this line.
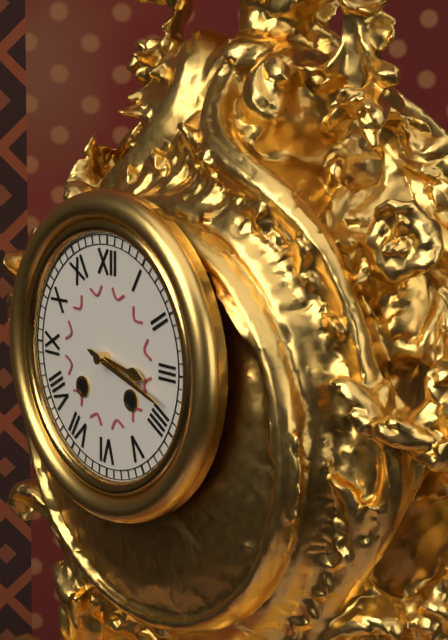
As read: 3h18
